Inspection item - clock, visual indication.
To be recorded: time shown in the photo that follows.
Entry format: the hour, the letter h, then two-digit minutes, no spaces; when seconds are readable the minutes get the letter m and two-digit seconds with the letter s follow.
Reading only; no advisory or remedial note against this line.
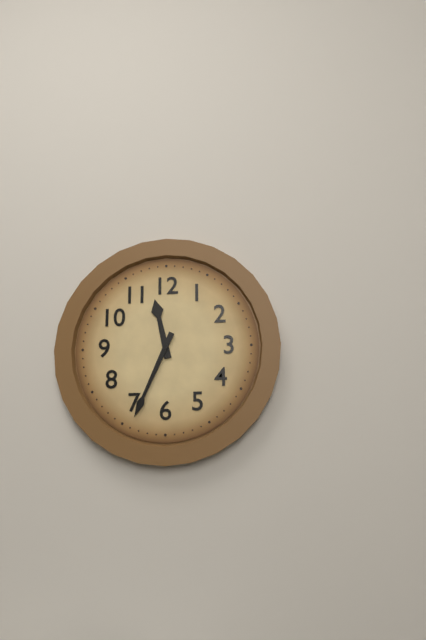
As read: 11h34
